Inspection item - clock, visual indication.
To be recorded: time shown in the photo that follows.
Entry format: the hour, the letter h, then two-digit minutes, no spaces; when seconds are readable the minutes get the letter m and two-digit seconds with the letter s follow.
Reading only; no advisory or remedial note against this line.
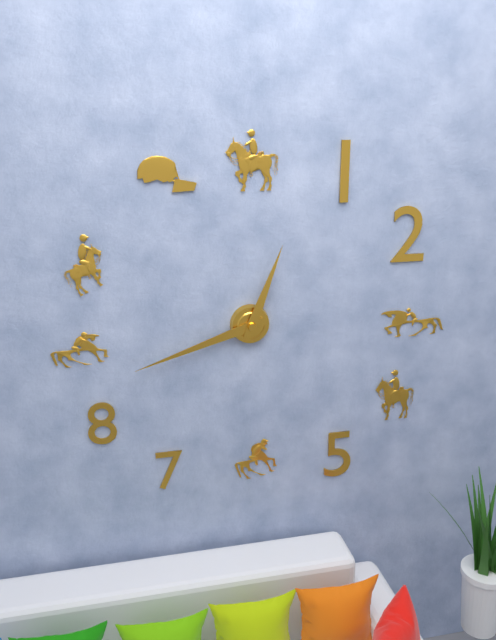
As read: 12h42
